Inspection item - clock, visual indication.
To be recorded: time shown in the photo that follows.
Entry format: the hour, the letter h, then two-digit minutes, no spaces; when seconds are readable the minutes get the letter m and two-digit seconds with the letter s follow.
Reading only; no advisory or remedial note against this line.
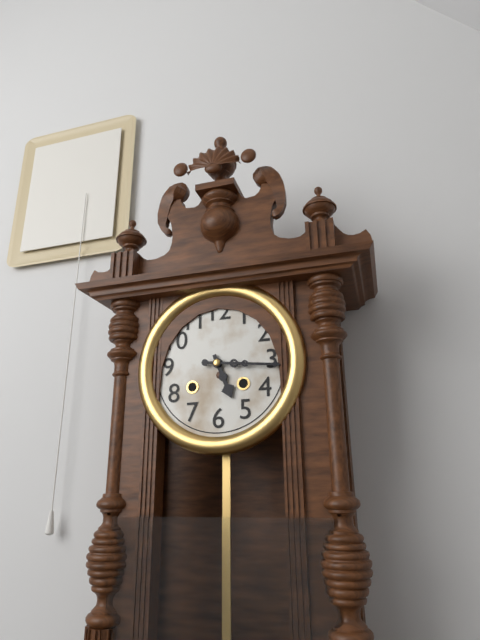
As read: 5h16
